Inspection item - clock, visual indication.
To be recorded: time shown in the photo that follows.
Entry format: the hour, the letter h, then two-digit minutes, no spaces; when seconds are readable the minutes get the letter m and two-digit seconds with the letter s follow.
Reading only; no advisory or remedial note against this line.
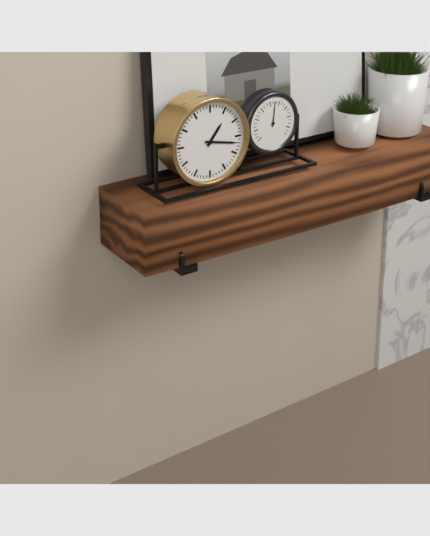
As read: 1h17
